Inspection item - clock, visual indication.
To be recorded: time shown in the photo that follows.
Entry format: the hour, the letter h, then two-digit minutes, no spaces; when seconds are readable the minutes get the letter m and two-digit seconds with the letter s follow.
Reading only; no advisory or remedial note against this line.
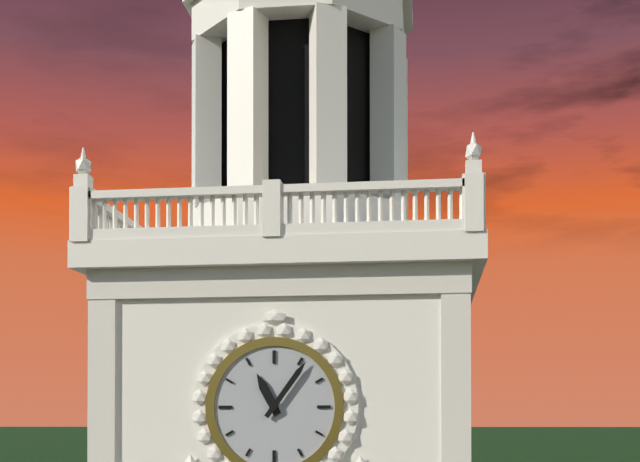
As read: 11h06
